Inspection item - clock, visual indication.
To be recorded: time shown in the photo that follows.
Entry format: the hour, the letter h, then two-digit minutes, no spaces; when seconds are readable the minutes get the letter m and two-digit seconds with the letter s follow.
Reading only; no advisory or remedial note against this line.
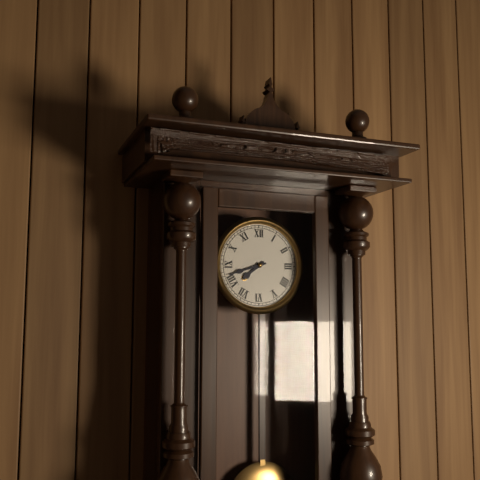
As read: 7h42
